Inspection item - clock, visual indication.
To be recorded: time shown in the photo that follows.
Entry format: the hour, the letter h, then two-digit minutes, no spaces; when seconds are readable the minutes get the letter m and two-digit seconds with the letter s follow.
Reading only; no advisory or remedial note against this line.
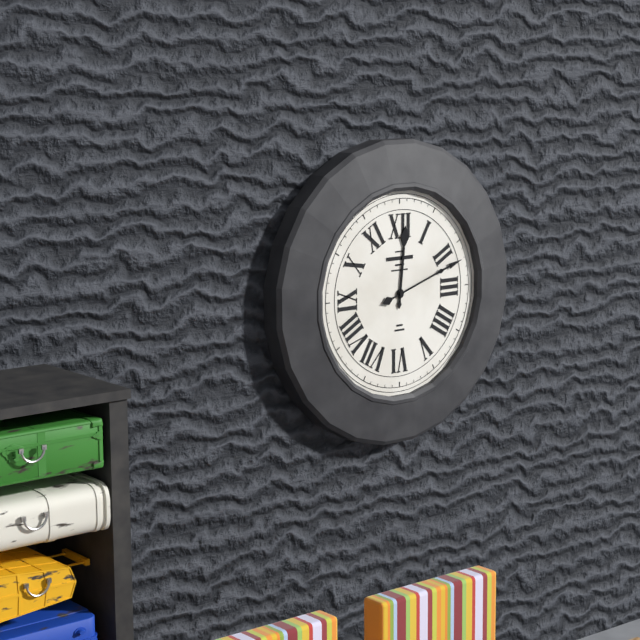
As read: 12h12
